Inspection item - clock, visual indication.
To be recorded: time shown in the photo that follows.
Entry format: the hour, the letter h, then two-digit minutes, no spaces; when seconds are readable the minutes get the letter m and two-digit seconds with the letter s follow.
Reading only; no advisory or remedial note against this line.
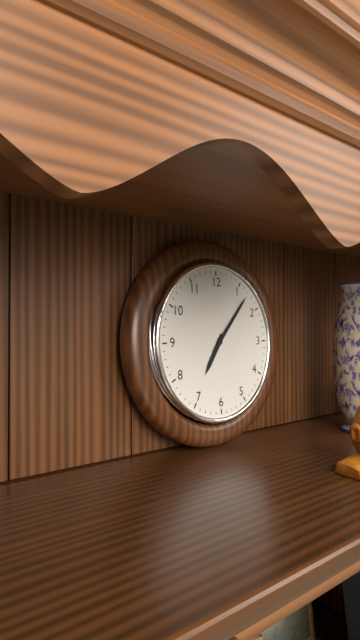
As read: 7h07
